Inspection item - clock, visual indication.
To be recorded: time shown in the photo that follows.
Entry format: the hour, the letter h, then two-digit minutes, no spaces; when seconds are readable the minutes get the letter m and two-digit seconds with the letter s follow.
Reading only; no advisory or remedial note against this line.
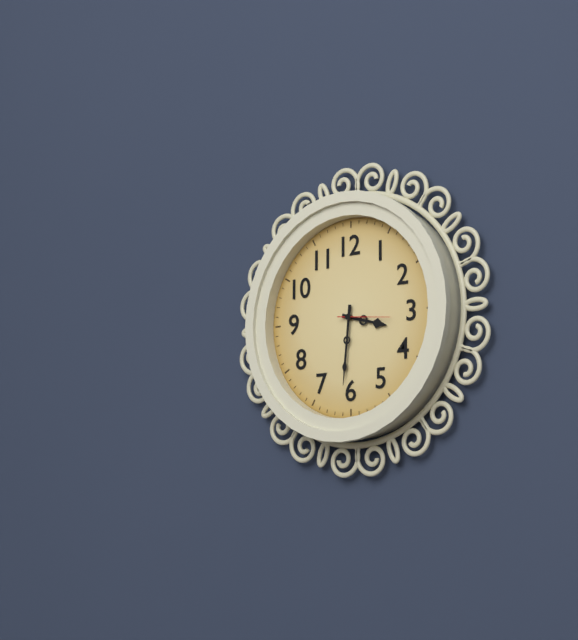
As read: 3h31
